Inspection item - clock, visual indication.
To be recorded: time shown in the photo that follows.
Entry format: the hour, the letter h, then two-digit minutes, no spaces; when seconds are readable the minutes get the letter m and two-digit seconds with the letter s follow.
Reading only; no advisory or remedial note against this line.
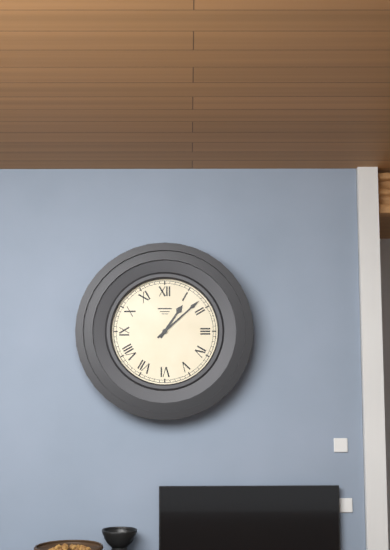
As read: 1h08
